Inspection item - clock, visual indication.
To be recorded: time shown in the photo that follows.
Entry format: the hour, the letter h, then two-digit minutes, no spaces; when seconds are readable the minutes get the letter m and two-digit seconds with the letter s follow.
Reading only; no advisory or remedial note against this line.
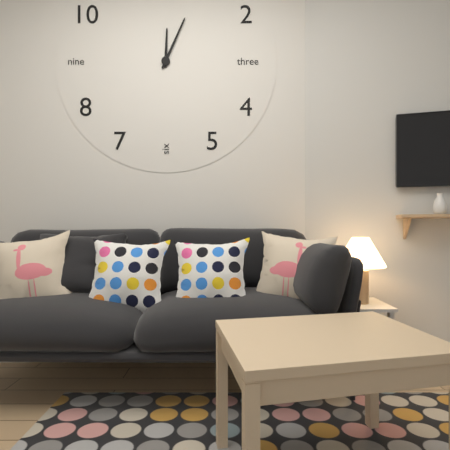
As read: 12h04
